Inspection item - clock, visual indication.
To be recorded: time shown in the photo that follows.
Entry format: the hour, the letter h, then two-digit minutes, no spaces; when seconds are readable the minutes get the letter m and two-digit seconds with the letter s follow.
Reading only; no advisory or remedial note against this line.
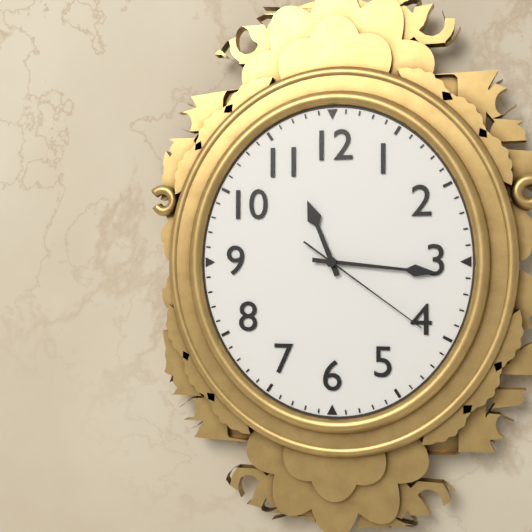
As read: 11h16m21s
